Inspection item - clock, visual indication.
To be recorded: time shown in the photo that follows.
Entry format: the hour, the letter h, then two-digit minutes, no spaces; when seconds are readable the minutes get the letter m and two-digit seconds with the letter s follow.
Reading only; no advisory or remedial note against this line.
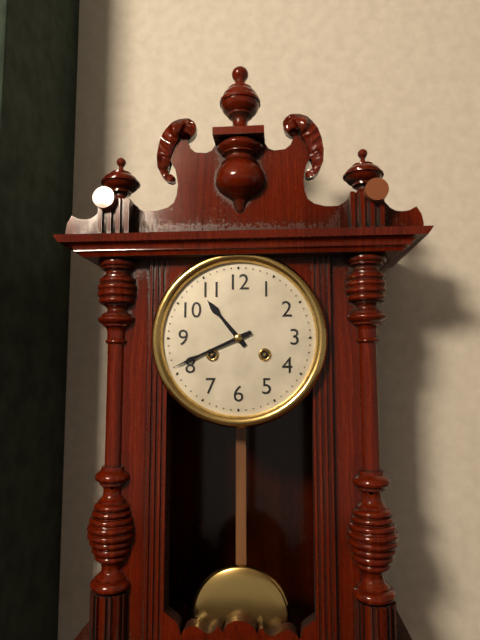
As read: 10h41
